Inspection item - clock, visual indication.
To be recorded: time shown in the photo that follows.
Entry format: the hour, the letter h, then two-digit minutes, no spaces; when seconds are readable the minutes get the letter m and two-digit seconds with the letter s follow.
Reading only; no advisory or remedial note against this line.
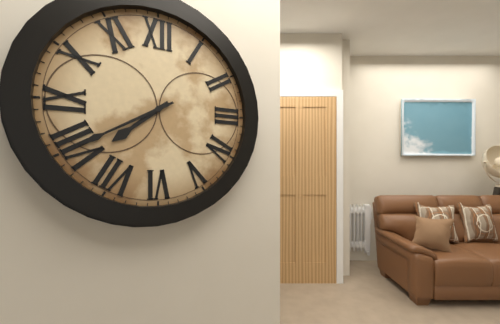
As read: 7h40
